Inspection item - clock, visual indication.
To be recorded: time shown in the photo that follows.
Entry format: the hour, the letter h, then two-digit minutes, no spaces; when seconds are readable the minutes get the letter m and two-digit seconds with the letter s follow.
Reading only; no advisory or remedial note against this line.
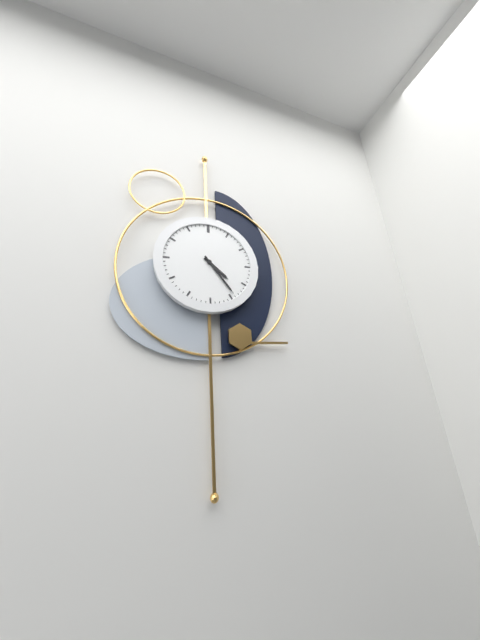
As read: 4h24
